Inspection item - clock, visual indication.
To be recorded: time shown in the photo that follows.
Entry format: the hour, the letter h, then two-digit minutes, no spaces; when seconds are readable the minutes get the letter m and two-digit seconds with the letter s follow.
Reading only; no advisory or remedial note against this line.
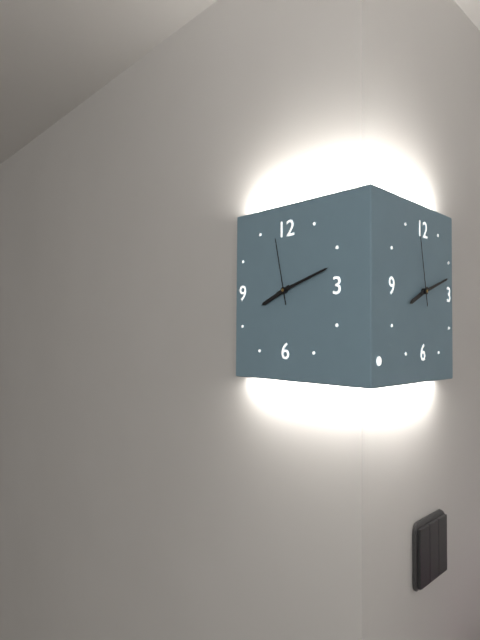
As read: 8h12m58s
